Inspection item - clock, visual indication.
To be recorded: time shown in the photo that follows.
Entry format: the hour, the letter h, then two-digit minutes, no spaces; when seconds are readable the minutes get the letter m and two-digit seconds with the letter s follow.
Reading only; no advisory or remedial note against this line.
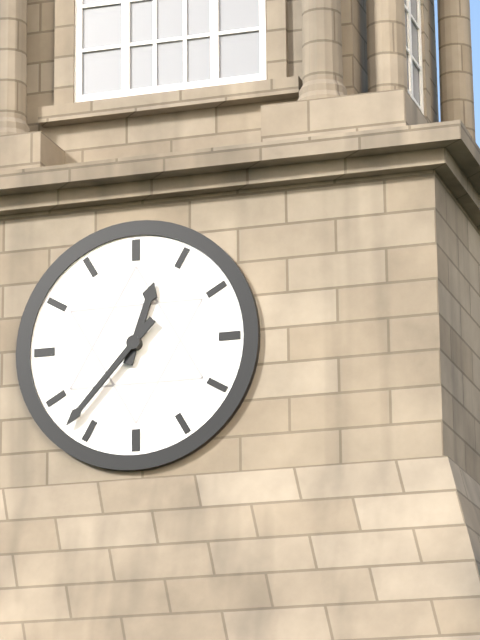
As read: 12h37
